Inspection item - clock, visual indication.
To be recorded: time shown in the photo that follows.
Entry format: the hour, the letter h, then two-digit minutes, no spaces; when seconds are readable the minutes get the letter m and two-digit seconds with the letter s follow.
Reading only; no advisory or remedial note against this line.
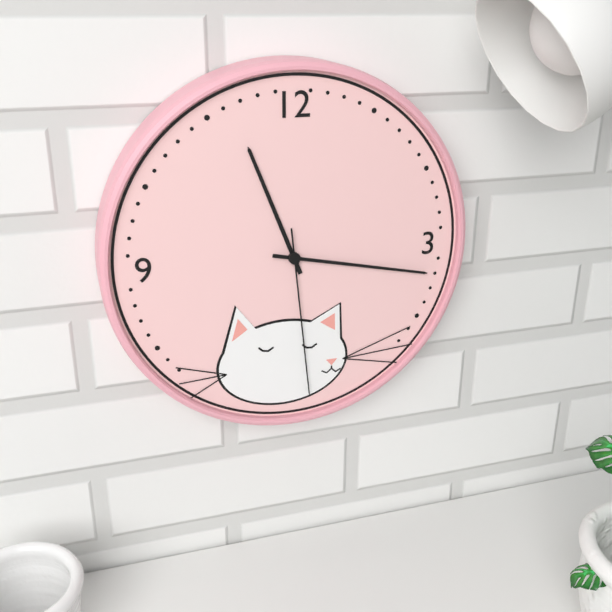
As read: 11h17m29s
